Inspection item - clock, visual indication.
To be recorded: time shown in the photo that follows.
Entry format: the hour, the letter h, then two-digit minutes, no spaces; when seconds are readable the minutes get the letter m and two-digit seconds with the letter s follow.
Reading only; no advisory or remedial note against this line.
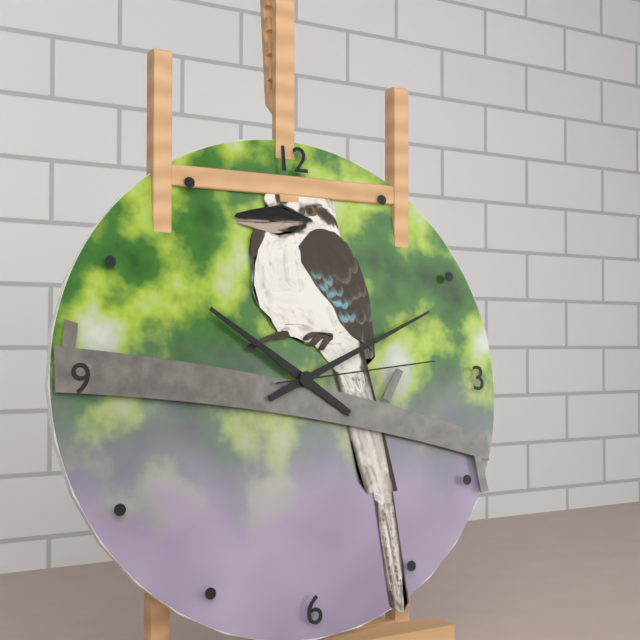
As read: 10h11m14s
